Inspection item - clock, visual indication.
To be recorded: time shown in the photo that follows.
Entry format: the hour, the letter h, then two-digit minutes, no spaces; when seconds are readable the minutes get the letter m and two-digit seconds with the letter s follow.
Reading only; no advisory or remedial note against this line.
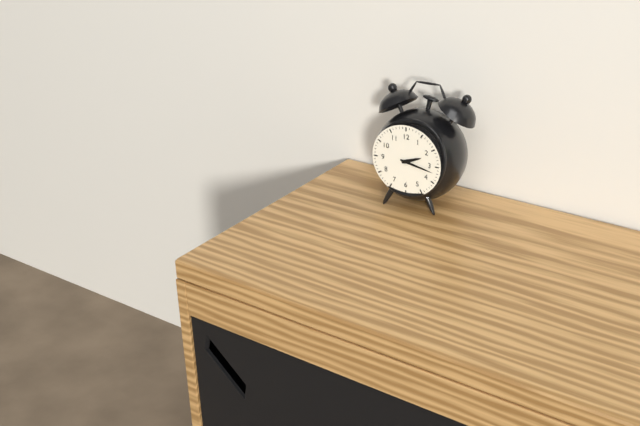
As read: 2h17
